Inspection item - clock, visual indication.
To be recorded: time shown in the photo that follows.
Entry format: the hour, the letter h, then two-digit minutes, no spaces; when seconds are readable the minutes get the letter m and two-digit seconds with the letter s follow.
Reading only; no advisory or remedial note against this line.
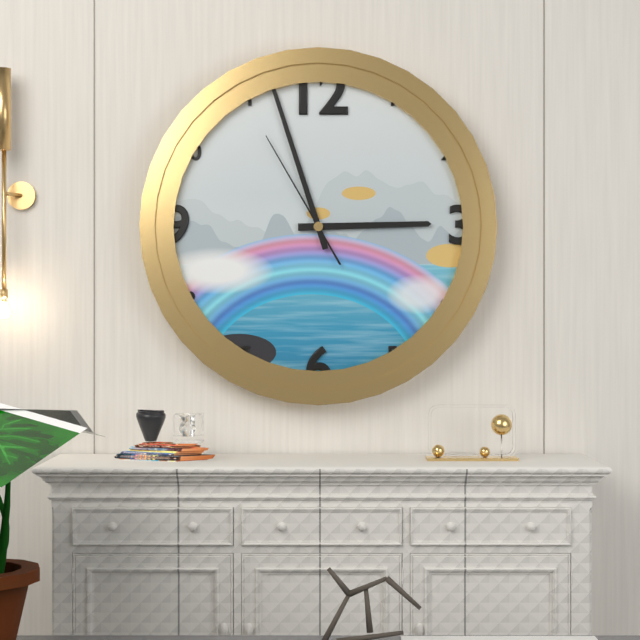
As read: 2h57m55s
